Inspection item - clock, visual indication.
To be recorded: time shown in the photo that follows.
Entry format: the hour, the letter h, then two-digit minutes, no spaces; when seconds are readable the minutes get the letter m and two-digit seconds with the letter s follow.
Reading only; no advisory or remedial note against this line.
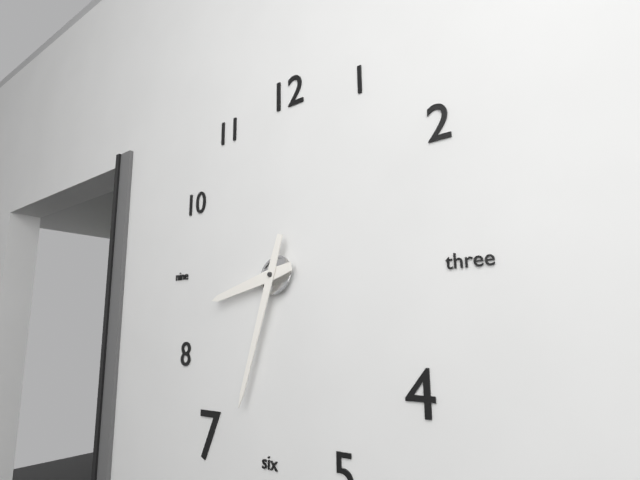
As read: 8h33
